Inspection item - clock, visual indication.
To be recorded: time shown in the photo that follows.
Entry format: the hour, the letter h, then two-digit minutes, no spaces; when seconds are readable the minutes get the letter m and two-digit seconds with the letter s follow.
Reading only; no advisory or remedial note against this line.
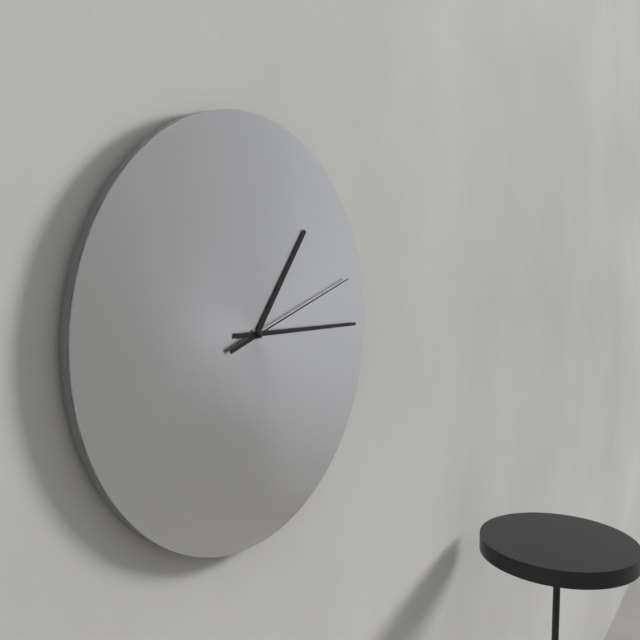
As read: 1h15m12s
